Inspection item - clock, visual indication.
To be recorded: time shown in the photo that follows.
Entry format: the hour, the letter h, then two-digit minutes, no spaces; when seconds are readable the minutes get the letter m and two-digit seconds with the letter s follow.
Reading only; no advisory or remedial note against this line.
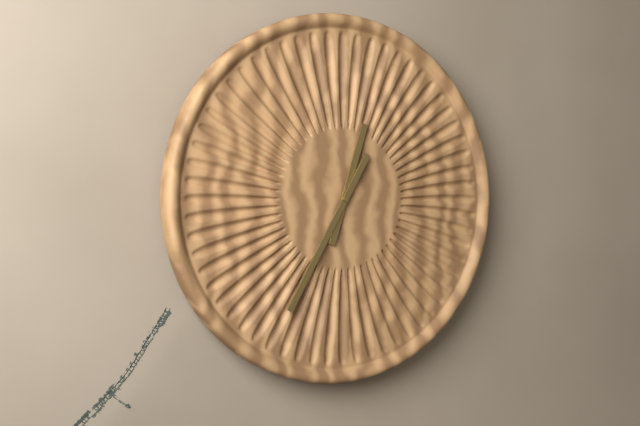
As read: 12h35
